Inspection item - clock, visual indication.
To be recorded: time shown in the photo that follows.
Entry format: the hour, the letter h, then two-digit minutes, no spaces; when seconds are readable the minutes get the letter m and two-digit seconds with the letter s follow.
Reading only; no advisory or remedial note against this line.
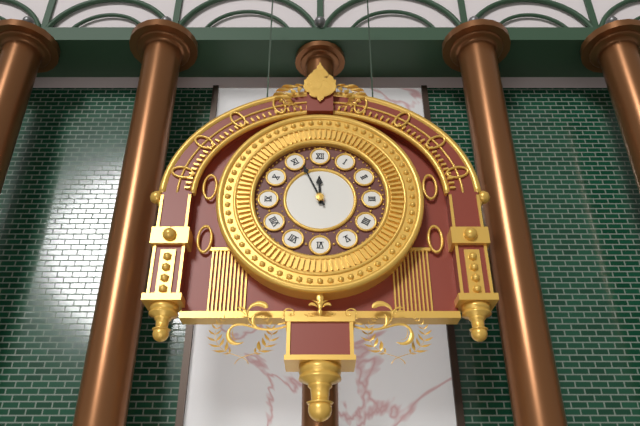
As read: 11h56
